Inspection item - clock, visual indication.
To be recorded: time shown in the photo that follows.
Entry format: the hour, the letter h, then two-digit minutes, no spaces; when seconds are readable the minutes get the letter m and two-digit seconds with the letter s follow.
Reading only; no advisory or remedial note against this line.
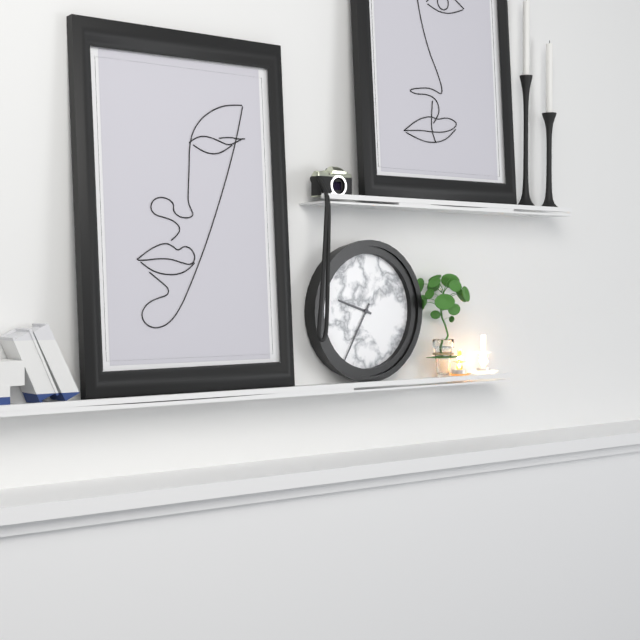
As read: 9h35
